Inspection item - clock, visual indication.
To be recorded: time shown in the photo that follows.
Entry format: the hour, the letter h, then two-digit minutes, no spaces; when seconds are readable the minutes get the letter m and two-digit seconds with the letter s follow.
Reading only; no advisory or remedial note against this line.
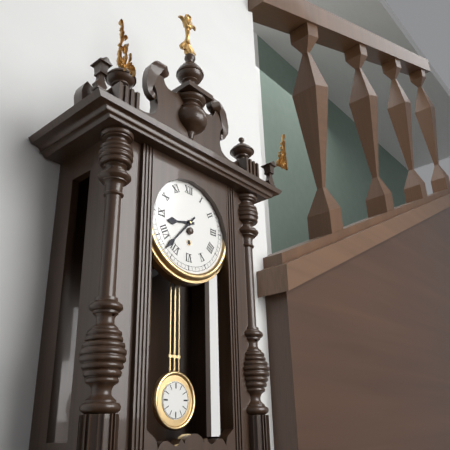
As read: 8h37
